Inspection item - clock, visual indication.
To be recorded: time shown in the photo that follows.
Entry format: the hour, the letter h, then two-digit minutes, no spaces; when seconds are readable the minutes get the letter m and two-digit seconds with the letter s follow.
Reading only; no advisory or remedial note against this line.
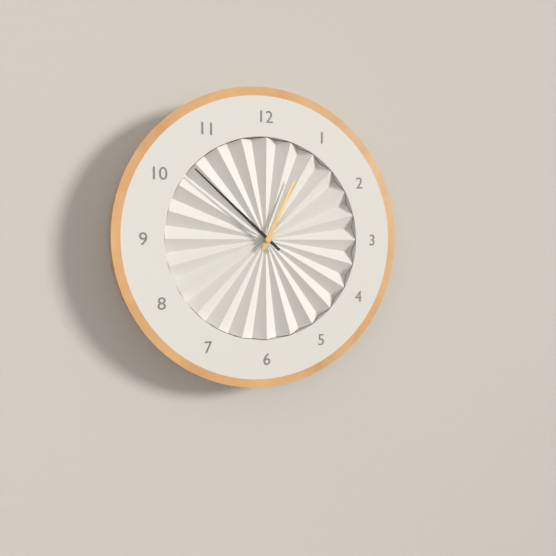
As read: 12h52
